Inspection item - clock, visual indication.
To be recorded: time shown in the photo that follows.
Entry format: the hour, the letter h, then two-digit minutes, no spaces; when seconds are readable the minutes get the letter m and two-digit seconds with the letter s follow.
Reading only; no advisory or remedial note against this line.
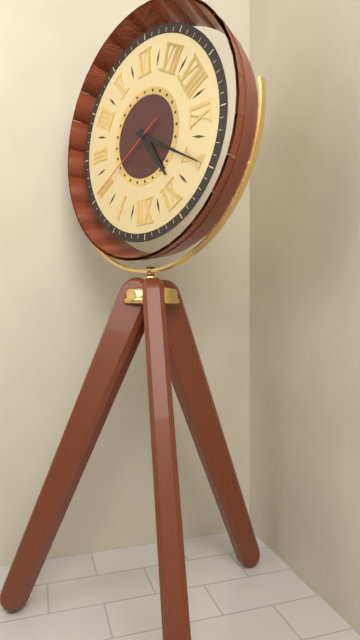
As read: 10h50m10s
